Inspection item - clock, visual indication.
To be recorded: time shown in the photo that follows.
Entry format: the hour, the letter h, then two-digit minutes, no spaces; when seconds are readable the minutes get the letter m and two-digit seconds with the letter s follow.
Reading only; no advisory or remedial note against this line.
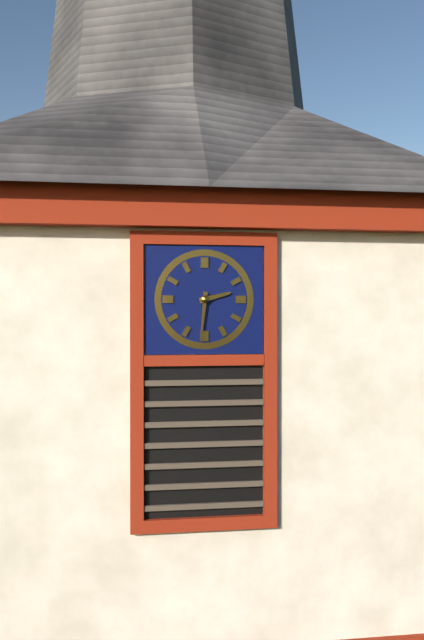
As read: 2h31
